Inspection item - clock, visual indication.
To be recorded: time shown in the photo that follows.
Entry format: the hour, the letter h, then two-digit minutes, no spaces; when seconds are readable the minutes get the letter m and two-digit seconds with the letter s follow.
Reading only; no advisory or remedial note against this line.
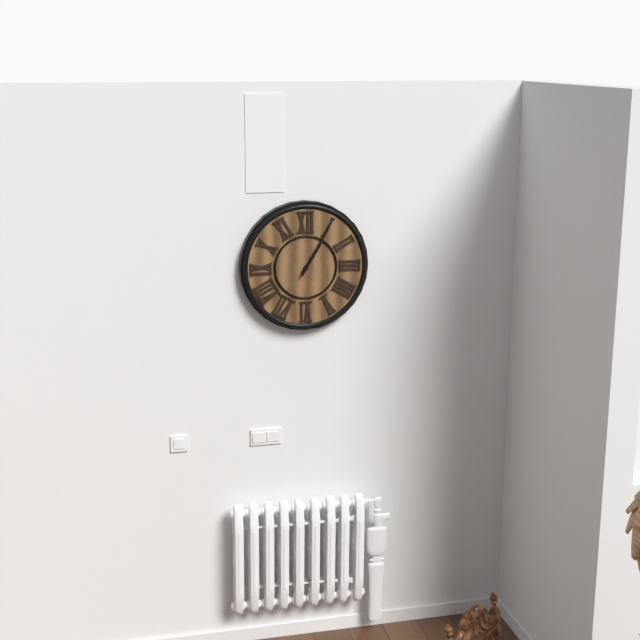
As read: 1h05
